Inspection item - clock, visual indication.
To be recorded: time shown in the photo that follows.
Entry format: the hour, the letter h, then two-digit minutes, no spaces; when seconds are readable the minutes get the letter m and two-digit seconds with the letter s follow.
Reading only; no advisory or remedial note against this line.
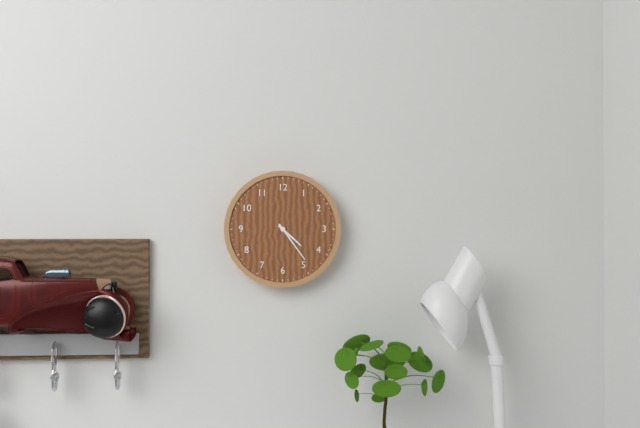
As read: 4h24
